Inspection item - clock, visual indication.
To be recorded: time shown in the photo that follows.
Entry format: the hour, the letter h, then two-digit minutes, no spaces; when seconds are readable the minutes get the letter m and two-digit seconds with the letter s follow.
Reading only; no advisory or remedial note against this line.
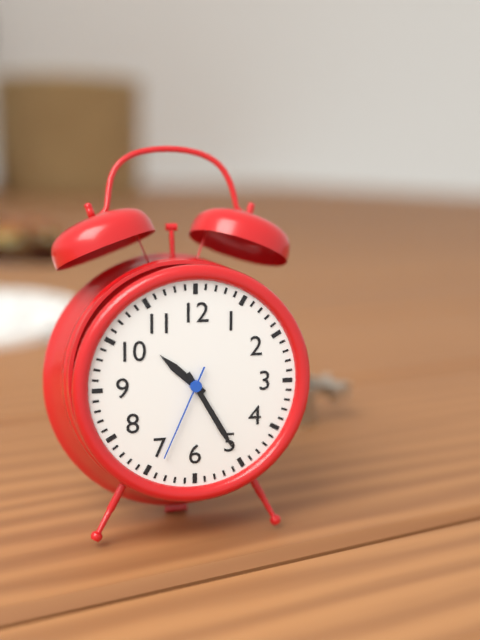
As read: 10h25m34s
